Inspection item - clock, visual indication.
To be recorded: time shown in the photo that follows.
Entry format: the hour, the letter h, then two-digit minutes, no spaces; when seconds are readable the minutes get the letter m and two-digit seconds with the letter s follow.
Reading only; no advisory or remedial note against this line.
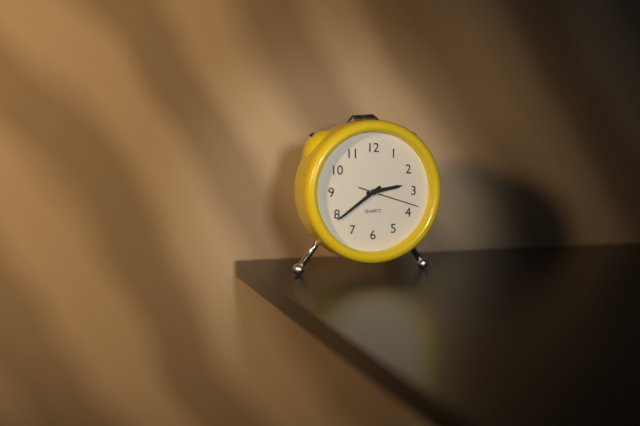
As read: 2h39m18s
